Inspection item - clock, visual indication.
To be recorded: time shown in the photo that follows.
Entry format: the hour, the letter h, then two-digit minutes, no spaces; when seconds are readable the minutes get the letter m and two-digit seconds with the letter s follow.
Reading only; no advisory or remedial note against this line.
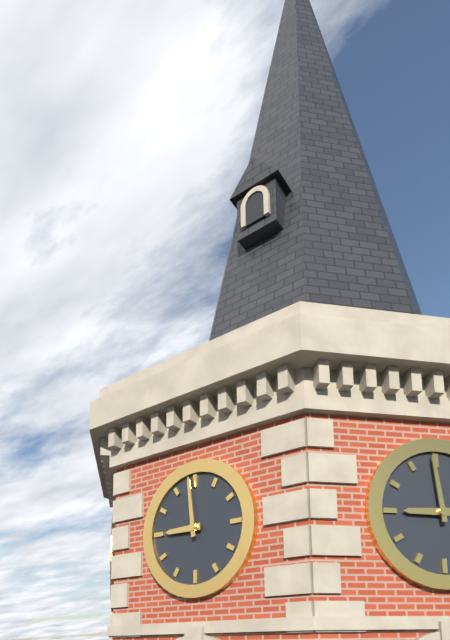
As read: 8h59
